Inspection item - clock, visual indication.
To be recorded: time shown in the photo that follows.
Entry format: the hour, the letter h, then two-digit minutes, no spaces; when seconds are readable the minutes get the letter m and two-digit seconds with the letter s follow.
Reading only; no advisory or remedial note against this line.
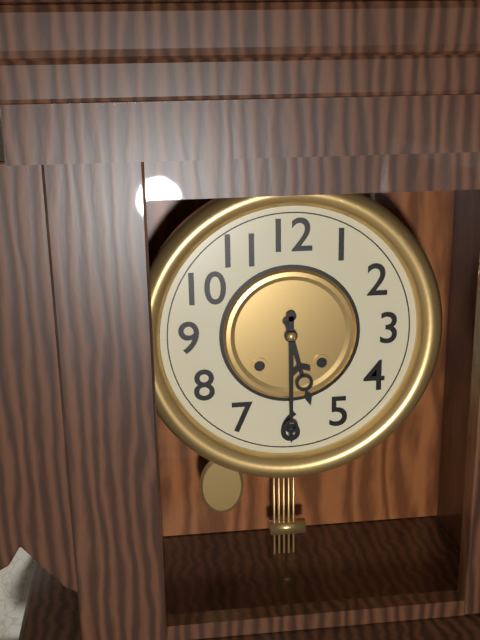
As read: 5h30
